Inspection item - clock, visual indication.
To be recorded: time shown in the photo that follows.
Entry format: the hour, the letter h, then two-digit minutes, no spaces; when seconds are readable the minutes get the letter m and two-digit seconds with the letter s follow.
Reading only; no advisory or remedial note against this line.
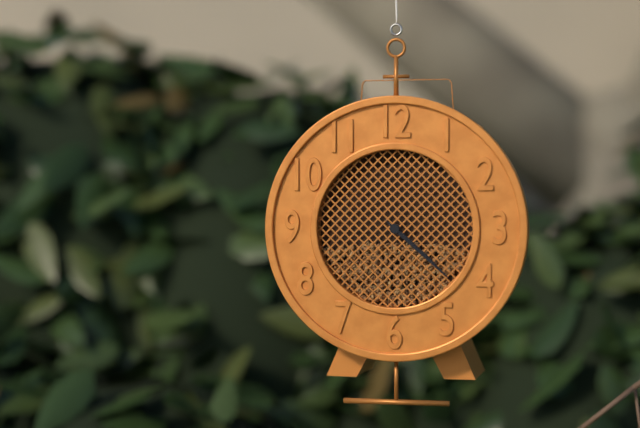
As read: 4h22
